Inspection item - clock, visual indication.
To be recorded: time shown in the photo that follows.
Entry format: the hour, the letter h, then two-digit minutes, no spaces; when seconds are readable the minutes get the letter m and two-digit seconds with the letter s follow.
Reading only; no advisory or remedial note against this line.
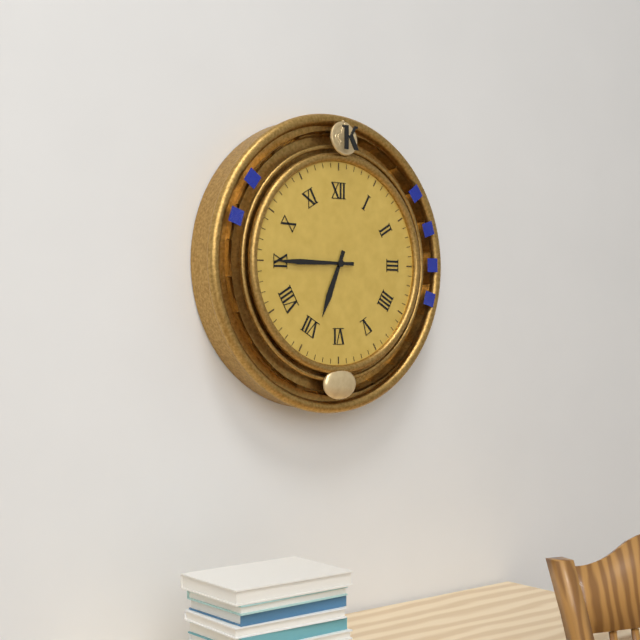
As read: 6h45
